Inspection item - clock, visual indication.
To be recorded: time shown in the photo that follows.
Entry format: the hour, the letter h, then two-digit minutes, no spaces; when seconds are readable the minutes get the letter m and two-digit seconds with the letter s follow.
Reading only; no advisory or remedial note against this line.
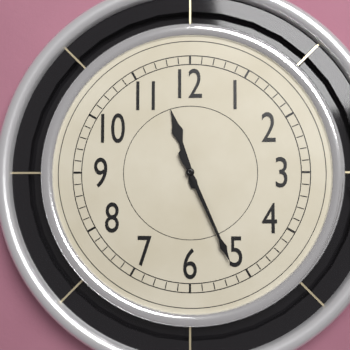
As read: 11h26
